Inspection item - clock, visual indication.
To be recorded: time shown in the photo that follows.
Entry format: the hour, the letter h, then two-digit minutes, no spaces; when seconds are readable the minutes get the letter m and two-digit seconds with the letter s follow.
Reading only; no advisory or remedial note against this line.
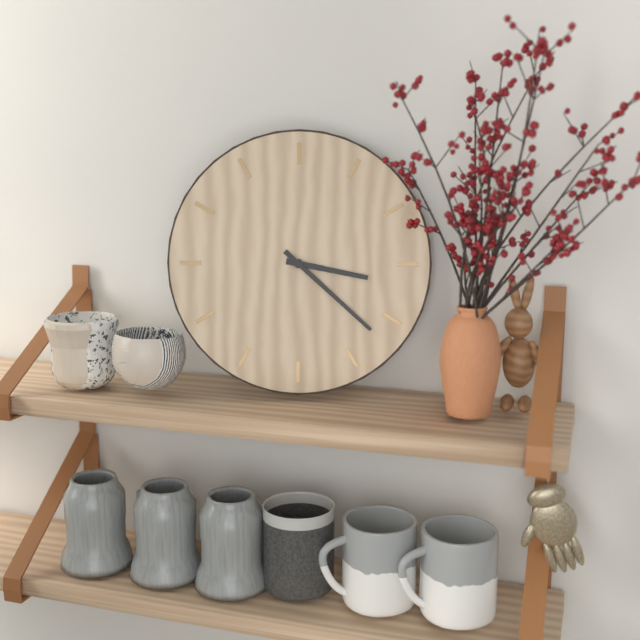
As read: 3h22
